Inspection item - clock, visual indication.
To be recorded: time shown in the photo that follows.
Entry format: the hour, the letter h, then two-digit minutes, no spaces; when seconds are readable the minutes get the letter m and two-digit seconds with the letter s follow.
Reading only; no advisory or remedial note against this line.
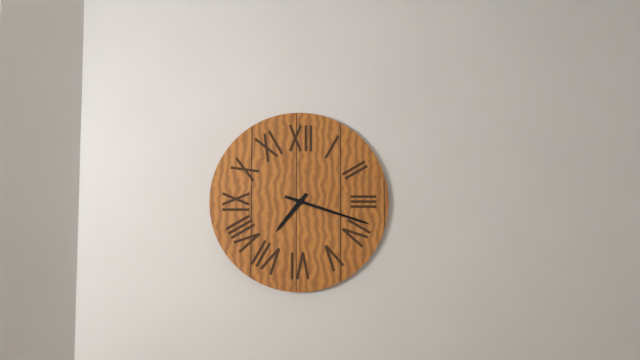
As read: 7h18
